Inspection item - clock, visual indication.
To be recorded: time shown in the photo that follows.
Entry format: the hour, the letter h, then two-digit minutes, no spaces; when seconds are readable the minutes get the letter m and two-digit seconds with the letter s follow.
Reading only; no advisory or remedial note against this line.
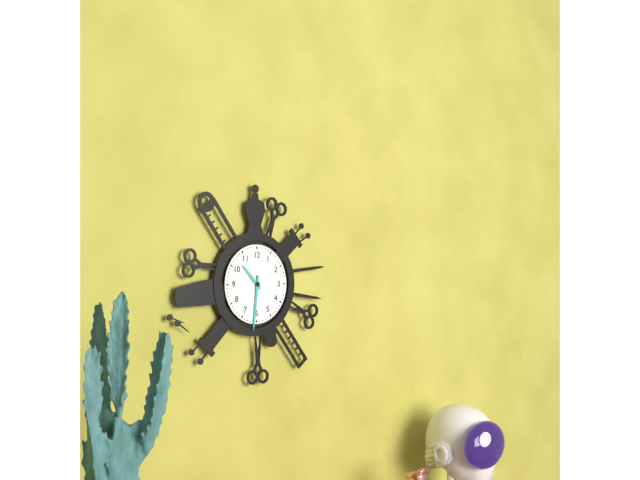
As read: 10h31
